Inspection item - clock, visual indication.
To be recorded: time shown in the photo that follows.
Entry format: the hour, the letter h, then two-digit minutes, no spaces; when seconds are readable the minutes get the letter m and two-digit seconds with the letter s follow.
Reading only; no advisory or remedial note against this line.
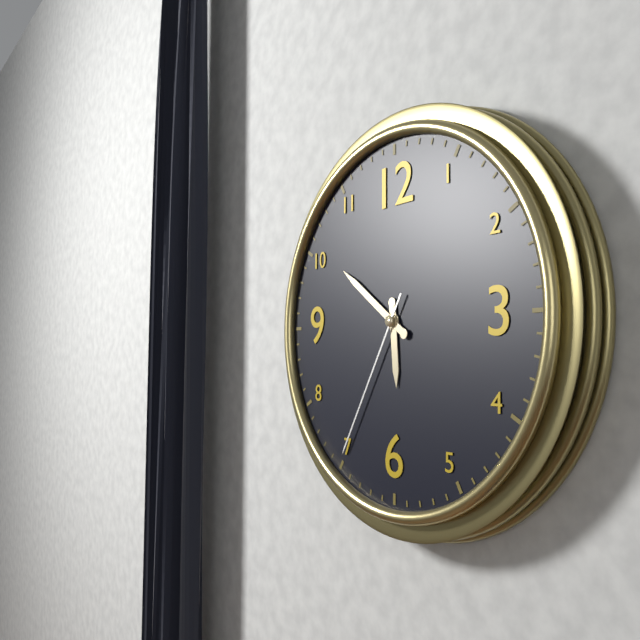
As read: 5h51m35s
